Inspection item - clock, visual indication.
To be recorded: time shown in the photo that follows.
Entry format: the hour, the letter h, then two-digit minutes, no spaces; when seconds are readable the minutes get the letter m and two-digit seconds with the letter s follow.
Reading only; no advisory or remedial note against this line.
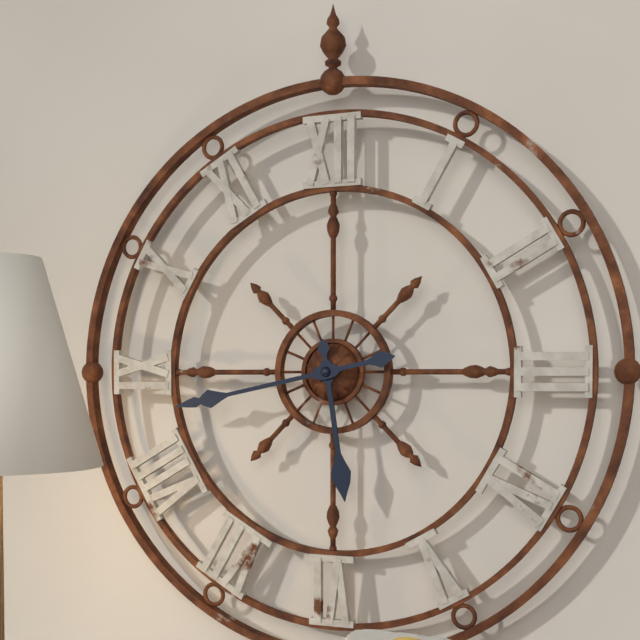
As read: 5h43
